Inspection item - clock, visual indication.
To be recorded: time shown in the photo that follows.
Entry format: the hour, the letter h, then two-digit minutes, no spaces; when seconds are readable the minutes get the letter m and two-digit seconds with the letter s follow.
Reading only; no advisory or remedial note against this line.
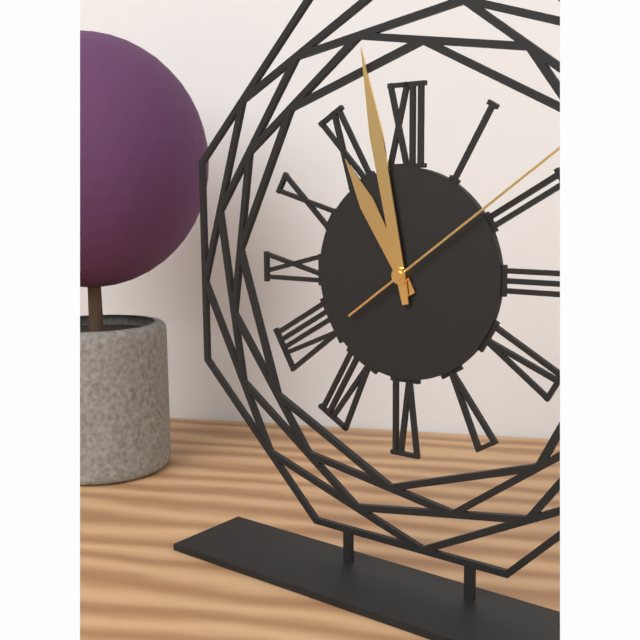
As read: 10h58m09s
